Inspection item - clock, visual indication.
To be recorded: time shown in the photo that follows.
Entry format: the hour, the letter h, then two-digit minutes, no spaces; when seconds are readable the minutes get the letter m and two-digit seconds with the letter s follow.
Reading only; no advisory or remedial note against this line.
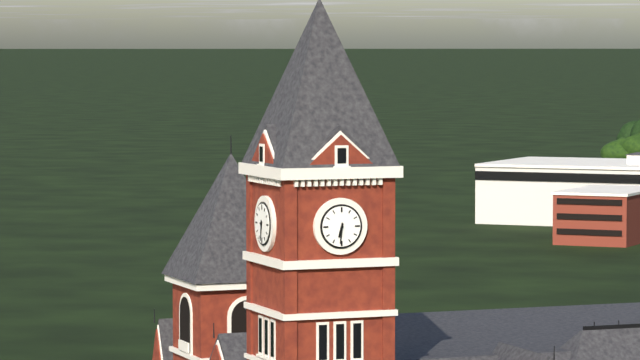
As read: 6h31
